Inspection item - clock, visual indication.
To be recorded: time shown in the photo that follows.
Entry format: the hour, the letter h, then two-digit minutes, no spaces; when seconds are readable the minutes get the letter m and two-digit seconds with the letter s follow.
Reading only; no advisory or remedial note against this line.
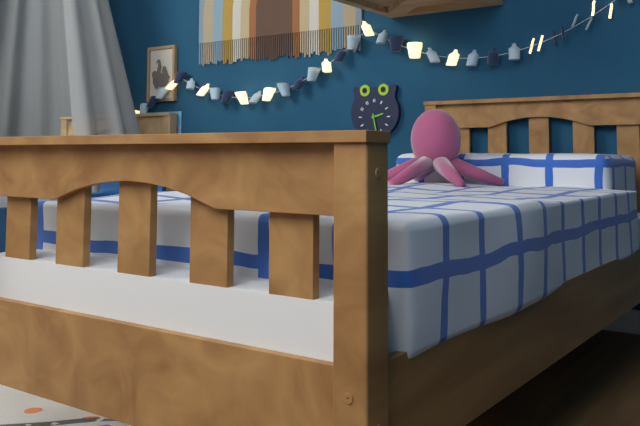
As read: 2h28
